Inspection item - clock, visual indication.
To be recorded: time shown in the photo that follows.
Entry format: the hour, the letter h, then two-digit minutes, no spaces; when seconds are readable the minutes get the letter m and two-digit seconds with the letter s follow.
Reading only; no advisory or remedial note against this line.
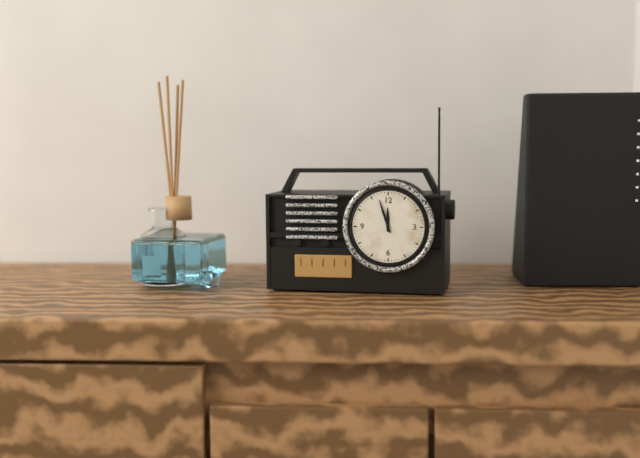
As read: 11h57
